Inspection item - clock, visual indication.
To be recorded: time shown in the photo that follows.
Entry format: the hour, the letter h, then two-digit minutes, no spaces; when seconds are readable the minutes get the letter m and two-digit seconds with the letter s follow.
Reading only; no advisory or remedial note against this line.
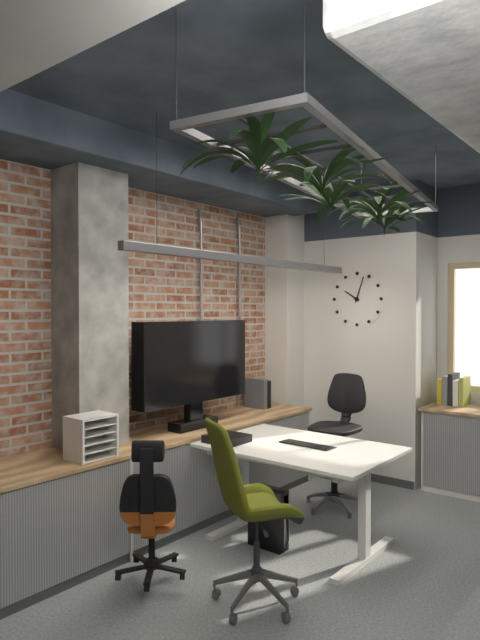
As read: 10h03
